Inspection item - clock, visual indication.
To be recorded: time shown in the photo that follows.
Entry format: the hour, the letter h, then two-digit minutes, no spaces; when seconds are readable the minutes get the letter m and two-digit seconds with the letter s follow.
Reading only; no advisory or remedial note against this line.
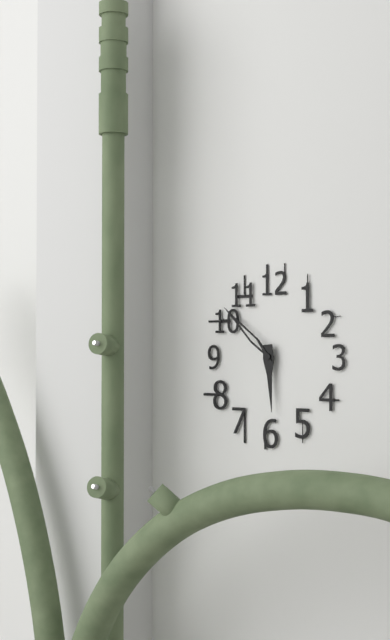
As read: 5h52
